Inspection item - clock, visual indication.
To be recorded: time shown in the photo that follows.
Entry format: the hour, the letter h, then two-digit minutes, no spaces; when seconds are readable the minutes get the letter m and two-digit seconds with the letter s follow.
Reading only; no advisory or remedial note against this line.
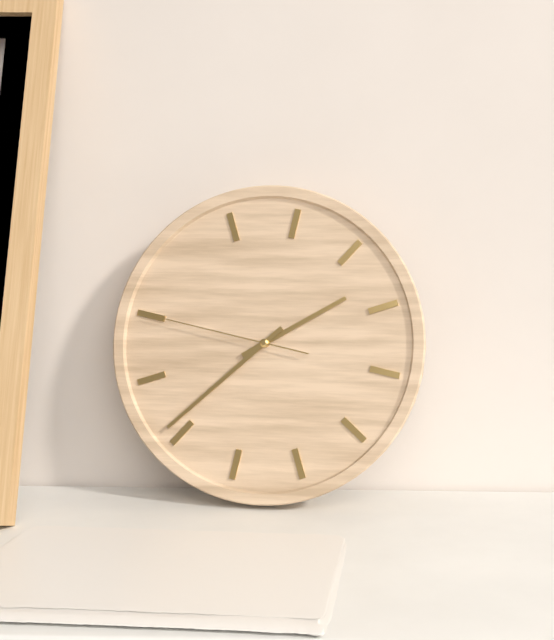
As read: 1h36m45s
